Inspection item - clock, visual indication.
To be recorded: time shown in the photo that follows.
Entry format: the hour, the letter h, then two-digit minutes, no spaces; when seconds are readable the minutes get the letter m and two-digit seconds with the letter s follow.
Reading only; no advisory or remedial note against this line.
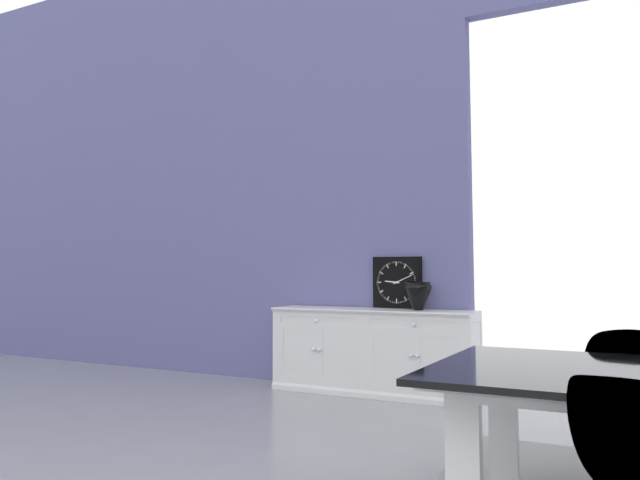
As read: 9h11
